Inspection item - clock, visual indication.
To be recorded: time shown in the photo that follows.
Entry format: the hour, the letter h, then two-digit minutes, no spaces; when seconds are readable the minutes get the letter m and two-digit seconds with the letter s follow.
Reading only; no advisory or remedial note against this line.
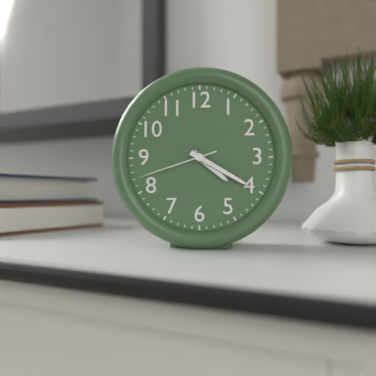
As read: 4h20m42s
